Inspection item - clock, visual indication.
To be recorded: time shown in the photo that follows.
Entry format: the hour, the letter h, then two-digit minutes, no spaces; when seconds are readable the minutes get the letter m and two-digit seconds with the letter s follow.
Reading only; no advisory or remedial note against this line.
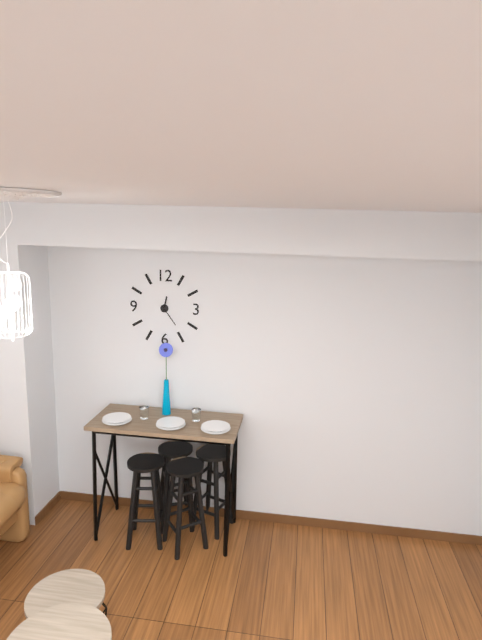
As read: 12h24
